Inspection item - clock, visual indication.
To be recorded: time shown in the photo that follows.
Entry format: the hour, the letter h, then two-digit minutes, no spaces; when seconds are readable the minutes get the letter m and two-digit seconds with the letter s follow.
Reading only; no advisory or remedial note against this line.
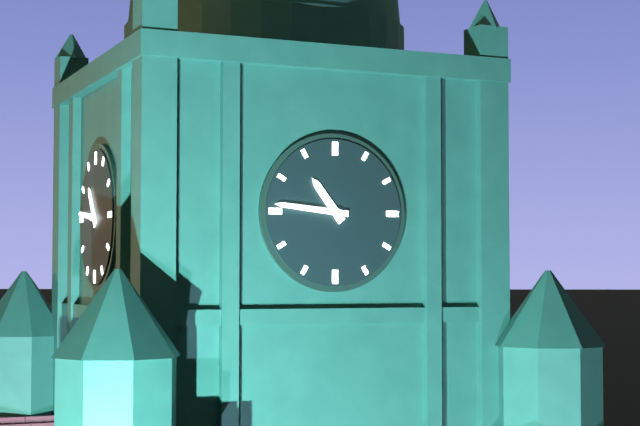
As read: 10h46
